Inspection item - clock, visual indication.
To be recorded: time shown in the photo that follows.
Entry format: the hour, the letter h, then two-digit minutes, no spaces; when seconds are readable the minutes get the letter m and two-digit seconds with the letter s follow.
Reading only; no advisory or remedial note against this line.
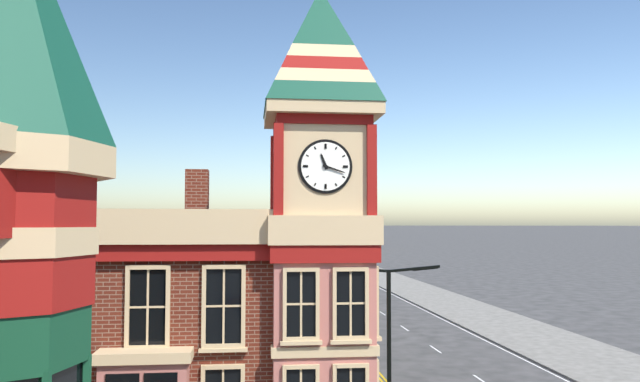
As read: 11h18
